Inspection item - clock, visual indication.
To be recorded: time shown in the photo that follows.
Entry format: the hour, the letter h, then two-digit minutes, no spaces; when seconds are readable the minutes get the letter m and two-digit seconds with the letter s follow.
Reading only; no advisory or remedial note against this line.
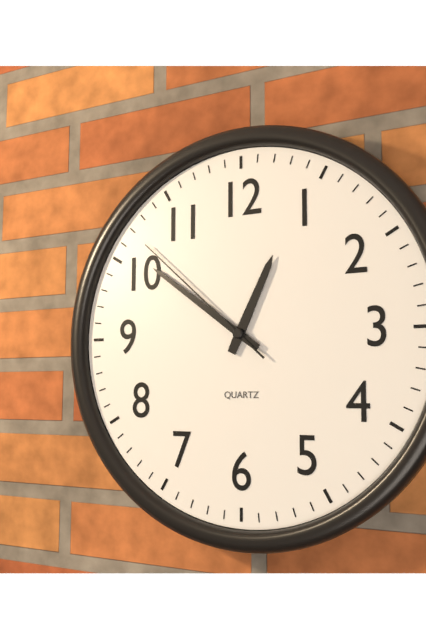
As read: 12h51m52s
